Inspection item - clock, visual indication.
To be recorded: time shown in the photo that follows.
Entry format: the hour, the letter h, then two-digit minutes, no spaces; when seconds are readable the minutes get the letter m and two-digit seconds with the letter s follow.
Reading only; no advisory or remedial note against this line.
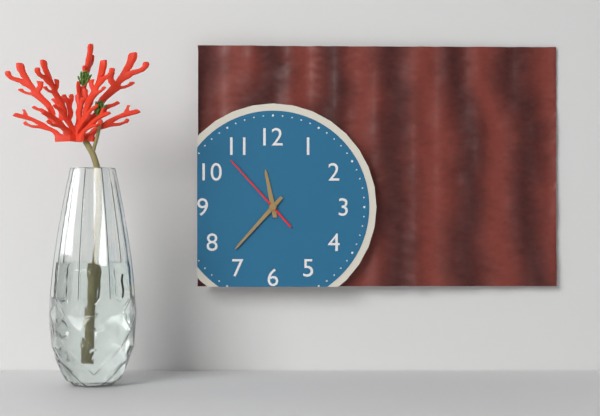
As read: 11h37m53s
